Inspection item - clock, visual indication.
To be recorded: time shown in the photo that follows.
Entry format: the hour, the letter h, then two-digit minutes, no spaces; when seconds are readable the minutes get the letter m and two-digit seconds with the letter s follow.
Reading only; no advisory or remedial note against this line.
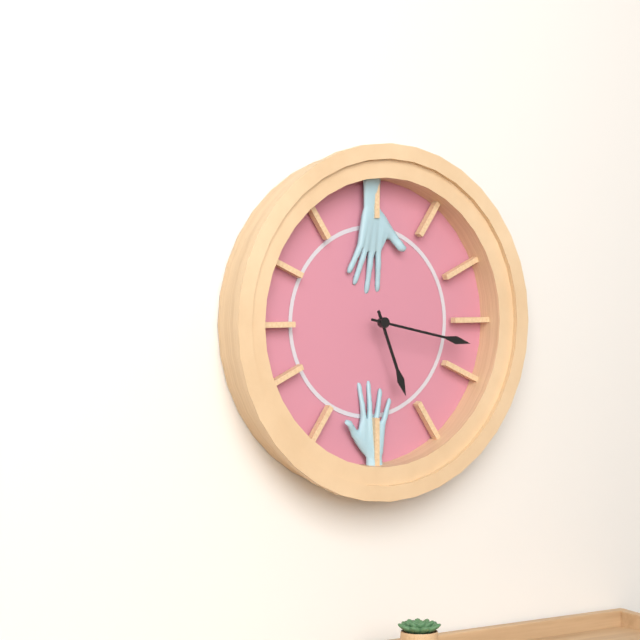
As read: 5h17
